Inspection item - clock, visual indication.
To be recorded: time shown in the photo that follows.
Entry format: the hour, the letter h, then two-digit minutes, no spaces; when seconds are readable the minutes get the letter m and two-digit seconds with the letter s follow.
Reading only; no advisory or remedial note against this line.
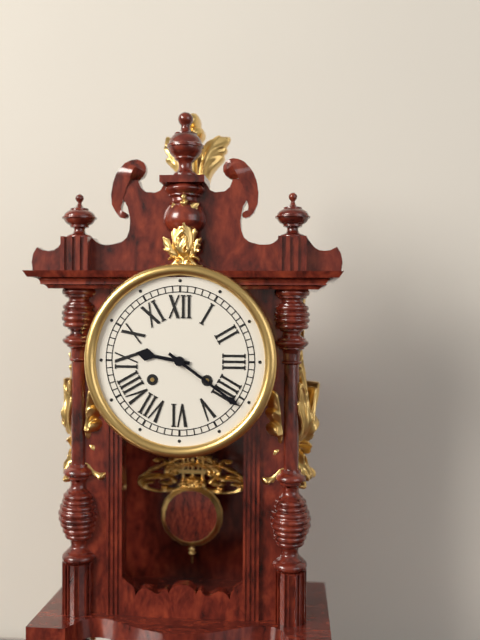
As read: 9h21
